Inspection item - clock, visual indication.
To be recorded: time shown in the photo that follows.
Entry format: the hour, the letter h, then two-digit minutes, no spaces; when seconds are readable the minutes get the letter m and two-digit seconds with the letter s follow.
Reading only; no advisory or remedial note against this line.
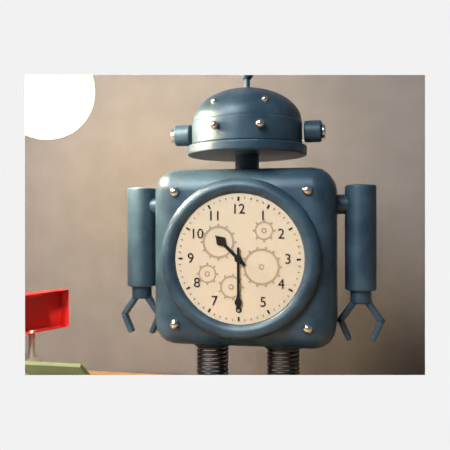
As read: 10h30
